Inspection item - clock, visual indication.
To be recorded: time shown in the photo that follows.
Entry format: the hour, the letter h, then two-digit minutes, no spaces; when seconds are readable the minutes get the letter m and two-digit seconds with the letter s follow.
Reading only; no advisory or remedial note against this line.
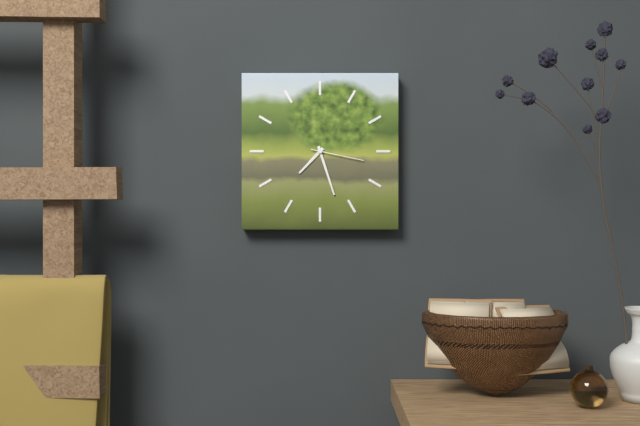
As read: 7h27m17s
